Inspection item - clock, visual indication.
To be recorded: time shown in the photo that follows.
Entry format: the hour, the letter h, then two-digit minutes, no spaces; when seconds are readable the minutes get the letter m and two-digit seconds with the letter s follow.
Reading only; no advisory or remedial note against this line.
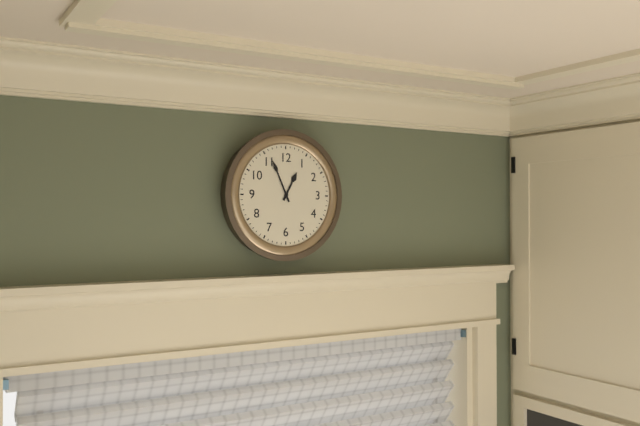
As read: 12h56
